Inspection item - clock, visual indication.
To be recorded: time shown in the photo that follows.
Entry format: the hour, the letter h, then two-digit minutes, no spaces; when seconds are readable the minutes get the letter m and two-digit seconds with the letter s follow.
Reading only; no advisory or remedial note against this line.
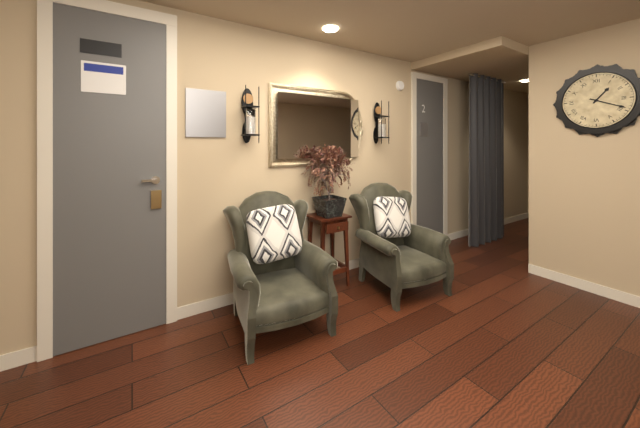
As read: 1h19
